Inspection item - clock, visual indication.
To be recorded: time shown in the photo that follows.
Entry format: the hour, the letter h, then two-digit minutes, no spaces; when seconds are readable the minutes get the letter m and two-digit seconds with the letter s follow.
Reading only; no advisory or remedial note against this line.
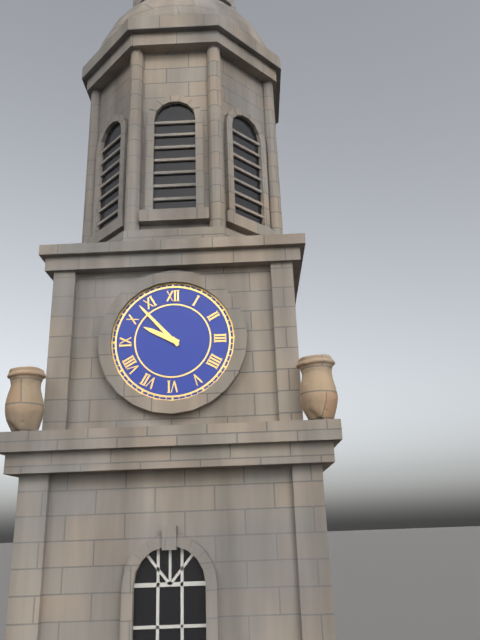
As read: 9h53
